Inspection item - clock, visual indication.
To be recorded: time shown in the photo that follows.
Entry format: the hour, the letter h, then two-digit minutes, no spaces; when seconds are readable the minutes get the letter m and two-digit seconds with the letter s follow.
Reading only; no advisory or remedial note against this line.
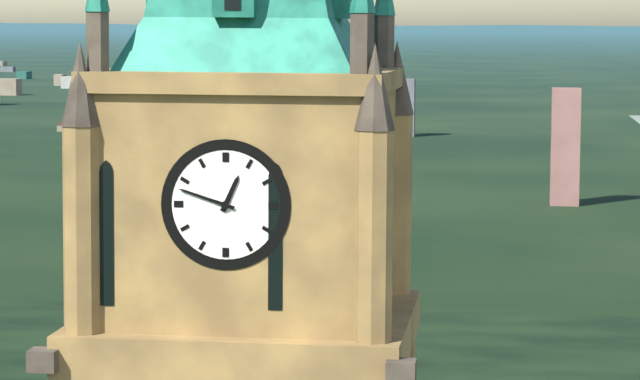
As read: 12h48
